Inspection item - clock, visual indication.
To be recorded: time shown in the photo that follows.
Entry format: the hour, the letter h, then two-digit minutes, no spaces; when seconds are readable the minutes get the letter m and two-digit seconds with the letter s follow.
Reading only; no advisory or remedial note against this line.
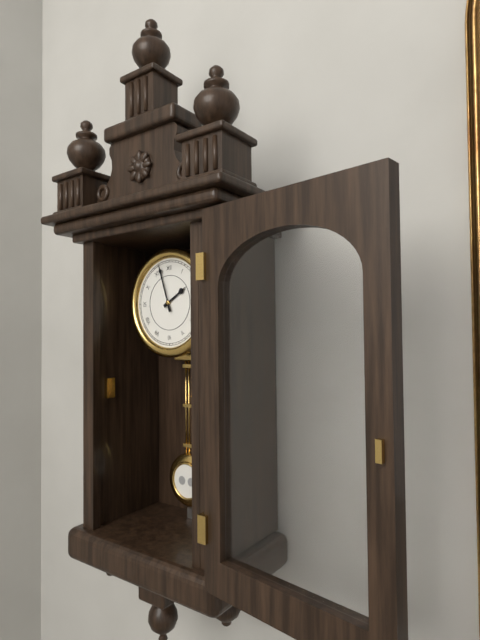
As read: 1h57
